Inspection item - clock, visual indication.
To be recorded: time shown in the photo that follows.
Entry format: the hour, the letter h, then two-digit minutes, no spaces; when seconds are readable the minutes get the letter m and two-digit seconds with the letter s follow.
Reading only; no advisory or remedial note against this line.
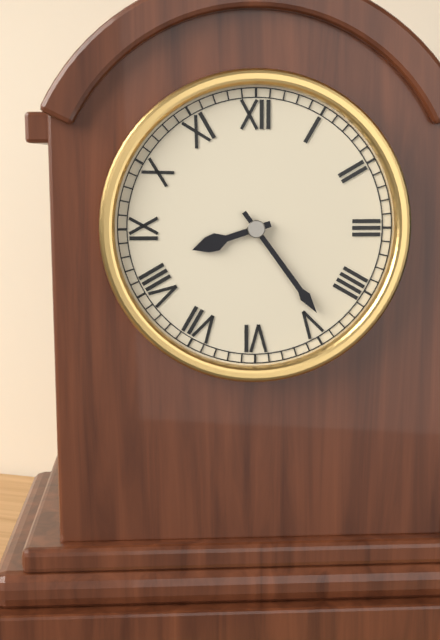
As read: 8h24
